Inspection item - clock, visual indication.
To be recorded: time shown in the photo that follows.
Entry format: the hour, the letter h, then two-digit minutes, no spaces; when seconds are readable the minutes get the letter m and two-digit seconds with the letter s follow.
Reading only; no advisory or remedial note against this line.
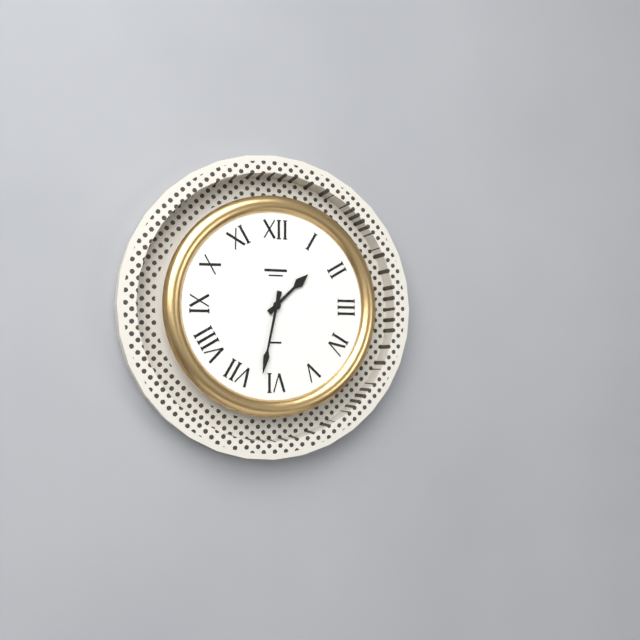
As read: 1h32
